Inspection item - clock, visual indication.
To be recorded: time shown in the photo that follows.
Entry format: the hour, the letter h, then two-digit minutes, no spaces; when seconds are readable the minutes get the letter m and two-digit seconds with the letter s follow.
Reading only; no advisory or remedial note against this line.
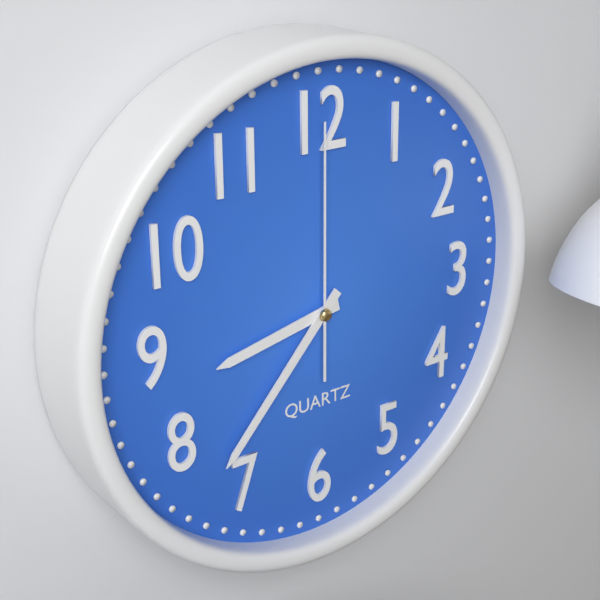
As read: 8h37m00s
